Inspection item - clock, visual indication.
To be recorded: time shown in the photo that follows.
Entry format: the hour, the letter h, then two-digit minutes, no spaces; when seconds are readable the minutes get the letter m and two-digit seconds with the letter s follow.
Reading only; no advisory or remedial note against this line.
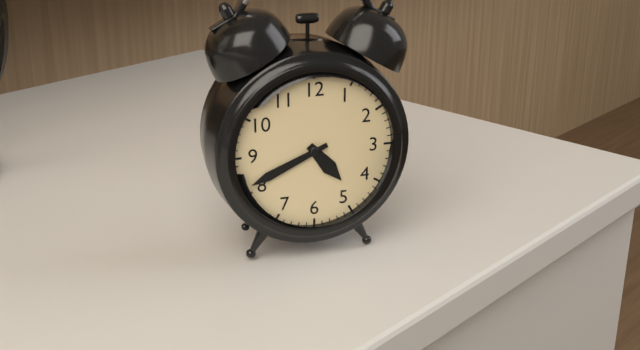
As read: 4h41
